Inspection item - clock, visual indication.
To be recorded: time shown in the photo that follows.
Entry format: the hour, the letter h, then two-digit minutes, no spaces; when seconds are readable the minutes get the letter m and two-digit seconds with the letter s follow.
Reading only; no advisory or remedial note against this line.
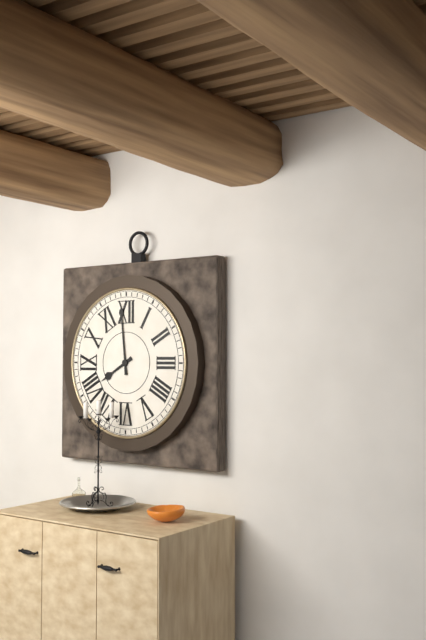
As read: 7h59
